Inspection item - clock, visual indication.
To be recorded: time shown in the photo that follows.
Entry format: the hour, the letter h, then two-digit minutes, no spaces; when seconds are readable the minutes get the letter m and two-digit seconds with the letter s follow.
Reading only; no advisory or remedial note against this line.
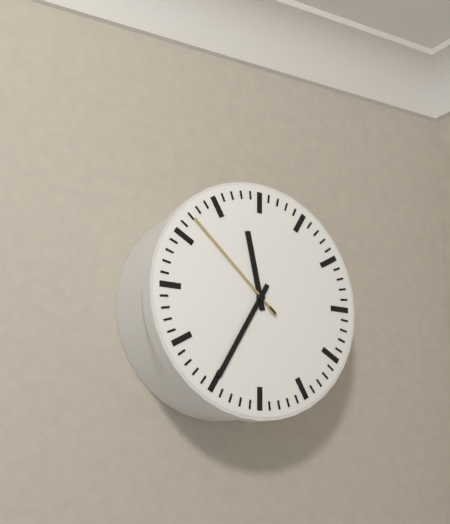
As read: 11h35m52s
